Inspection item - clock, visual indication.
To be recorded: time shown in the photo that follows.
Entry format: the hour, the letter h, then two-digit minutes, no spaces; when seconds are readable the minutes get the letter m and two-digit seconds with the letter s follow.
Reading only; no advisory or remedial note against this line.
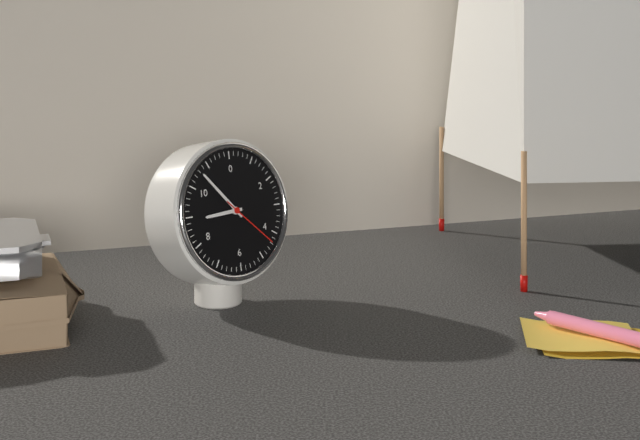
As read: 8h53m22s
